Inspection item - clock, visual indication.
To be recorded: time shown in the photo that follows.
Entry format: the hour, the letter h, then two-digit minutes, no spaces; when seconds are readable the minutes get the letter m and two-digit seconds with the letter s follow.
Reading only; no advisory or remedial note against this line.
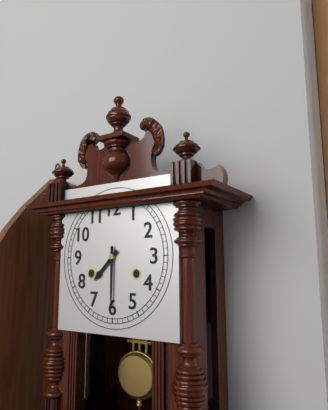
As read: 7h30
